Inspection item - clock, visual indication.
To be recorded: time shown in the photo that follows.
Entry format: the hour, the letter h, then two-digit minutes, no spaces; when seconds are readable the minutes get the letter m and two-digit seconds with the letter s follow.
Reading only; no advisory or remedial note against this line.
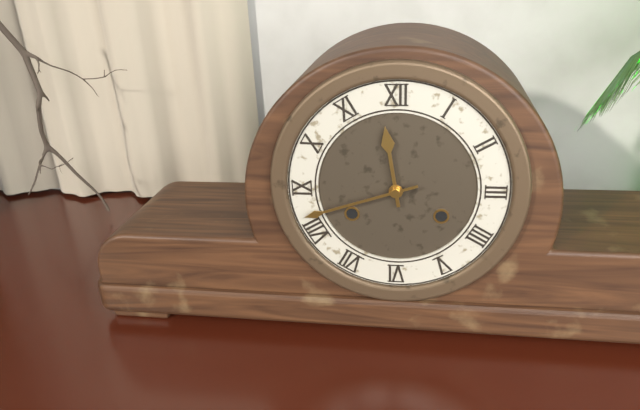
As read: 11h42
